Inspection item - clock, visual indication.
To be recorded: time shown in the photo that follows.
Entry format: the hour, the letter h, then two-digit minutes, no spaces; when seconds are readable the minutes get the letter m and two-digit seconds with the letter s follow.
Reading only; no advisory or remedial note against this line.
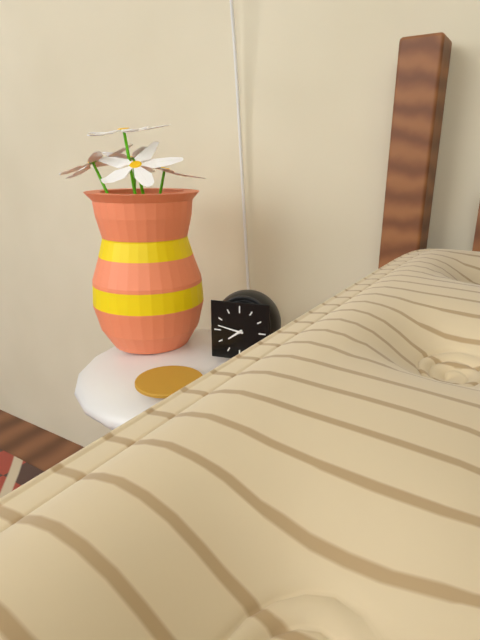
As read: 7h47
